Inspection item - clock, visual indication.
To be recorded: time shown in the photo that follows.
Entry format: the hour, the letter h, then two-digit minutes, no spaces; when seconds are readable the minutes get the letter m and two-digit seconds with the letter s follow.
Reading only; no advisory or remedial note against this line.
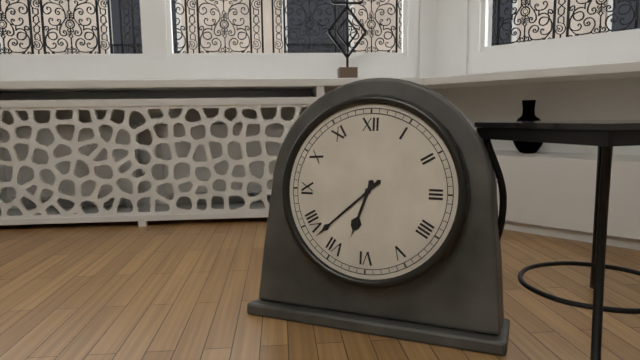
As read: 6h38
